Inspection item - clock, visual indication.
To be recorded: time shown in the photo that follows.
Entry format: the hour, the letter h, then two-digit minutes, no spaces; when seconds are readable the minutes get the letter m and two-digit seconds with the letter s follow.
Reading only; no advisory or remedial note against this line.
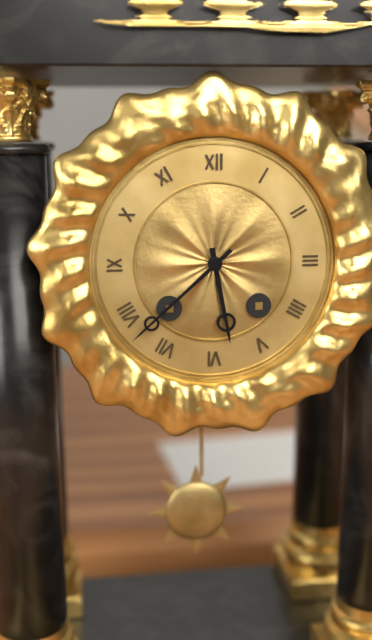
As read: 5h38
